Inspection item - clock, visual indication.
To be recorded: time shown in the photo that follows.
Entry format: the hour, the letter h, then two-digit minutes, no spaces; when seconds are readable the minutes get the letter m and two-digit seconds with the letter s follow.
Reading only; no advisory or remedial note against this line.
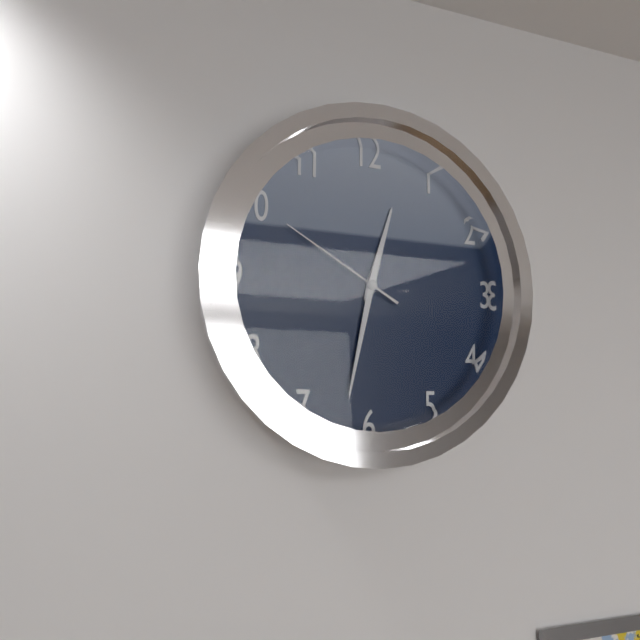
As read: 12h32m50s
